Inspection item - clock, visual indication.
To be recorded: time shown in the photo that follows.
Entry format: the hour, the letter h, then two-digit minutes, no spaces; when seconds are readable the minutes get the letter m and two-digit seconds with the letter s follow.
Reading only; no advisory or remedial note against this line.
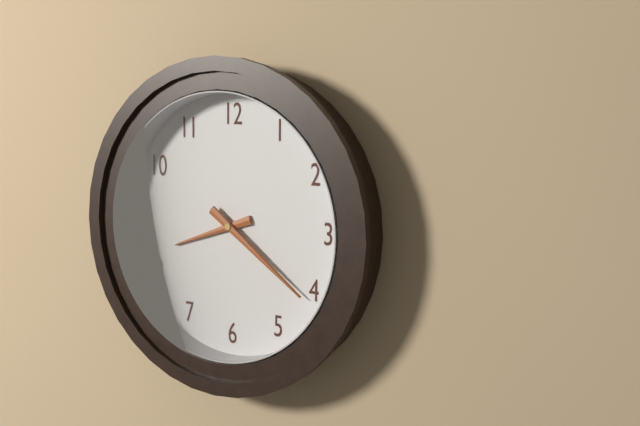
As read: 8h21
